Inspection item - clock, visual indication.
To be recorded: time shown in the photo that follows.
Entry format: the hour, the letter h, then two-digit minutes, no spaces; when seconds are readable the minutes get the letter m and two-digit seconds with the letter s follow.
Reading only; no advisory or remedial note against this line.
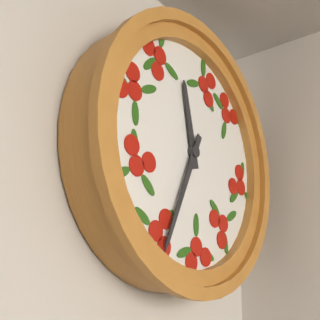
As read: 11h34
